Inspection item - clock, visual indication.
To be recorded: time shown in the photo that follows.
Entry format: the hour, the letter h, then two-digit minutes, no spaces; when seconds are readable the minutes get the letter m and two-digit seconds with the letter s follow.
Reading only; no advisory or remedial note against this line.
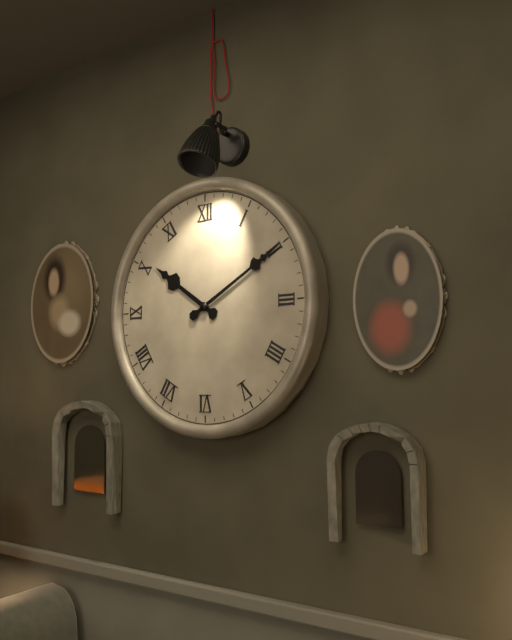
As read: 10h10
